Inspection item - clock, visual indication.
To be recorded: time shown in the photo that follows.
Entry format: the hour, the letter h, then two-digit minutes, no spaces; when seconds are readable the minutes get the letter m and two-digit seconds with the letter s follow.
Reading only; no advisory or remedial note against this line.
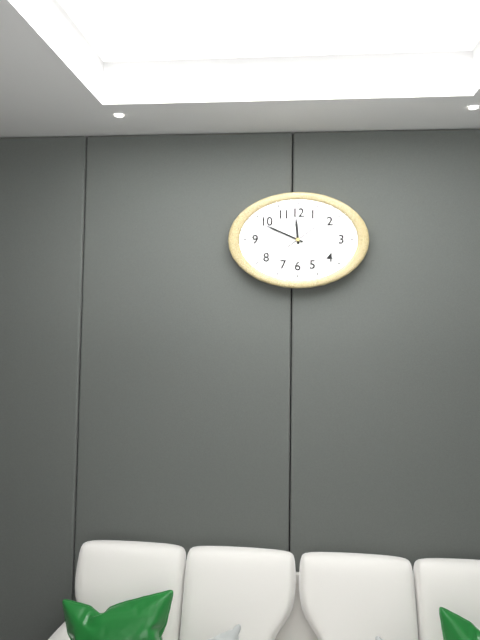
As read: 11h49
